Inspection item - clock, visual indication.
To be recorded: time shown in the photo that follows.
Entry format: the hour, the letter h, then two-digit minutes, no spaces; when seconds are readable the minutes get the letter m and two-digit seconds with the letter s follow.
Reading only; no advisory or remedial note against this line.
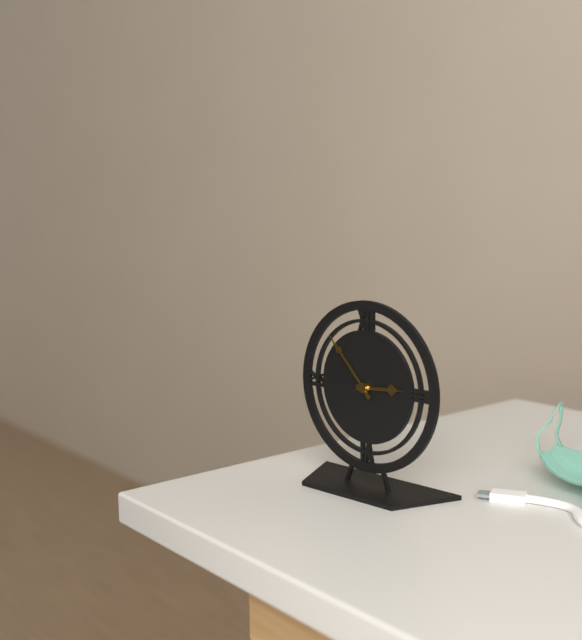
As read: 2h53
